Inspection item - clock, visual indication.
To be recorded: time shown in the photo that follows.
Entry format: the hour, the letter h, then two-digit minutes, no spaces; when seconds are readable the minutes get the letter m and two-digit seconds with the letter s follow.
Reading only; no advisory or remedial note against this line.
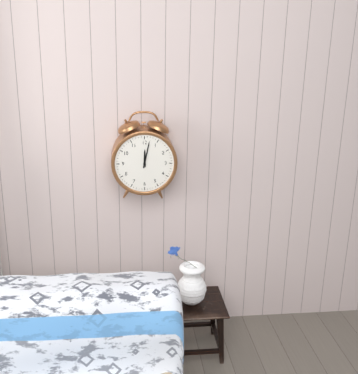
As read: 12h02
